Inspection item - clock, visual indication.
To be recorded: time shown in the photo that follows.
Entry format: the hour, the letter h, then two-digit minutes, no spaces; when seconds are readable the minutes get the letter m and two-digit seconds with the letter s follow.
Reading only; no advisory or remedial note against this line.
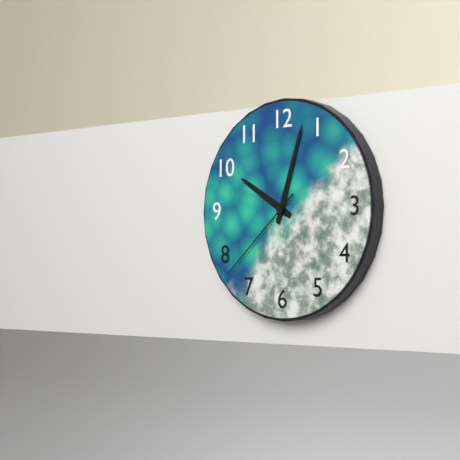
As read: 10h03m38s
